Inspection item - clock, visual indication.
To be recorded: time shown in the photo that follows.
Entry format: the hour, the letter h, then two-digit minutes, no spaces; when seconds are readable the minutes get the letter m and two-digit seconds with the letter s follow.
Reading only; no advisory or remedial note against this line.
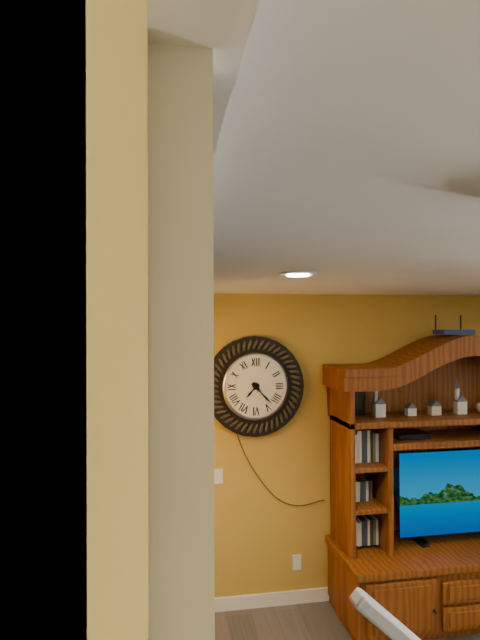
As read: 7h23
